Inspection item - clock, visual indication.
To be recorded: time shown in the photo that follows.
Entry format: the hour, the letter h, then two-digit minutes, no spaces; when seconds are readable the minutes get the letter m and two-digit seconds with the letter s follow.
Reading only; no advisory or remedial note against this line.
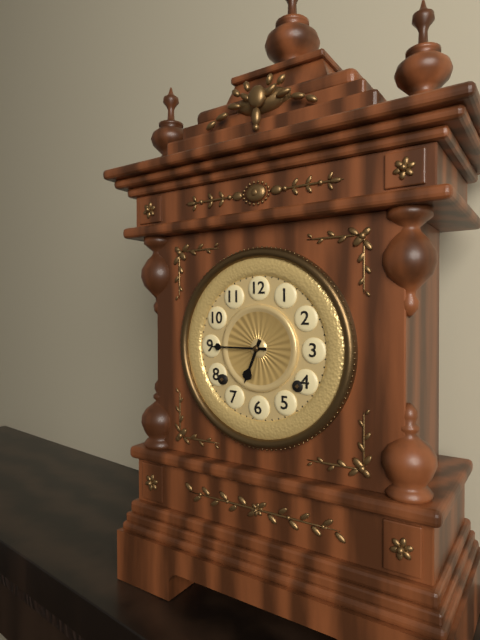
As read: 6h45
